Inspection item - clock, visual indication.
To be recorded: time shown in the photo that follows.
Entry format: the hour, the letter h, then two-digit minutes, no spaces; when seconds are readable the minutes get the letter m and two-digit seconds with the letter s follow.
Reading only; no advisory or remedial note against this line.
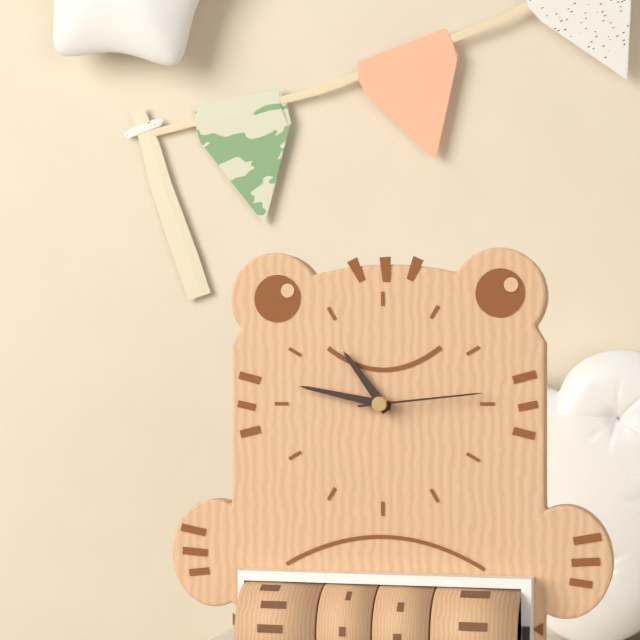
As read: 10h47m14s
